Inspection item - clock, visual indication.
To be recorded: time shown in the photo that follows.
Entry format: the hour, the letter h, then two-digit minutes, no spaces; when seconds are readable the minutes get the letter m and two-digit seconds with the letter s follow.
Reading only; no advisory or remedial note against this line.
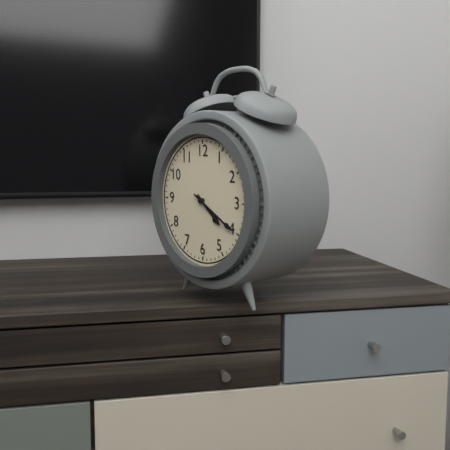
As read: 4h20
